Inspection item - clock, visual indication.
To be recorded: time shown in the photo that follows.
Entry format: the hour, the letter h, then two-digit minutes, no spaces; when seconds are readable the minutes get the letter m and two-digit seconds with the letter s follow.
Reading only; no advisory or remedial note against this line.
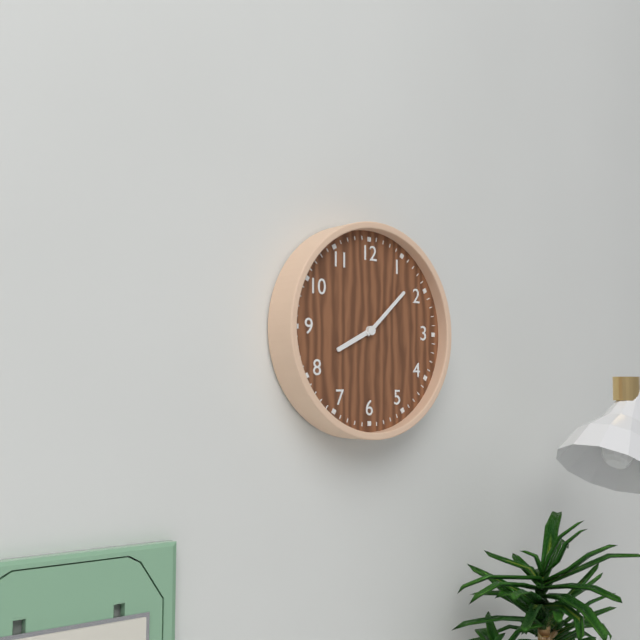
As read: 8h08
